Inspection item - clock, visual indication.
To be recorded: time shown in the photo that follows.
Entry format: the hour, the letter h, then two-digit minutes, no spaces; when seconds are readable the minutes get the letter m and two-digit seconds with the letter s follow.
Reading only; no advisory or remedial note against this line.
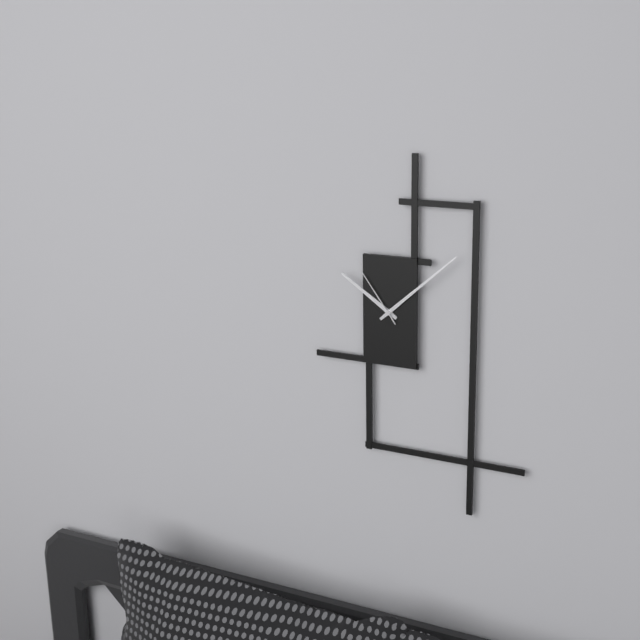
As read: 10h08m54s
